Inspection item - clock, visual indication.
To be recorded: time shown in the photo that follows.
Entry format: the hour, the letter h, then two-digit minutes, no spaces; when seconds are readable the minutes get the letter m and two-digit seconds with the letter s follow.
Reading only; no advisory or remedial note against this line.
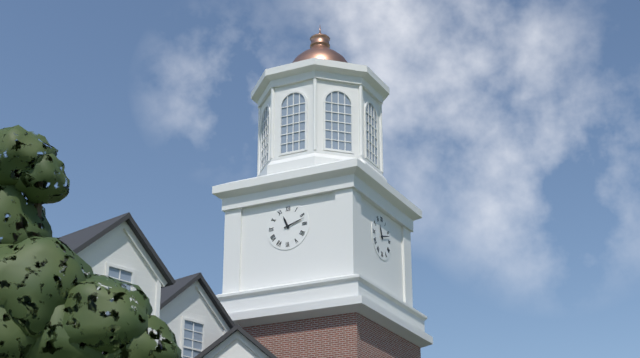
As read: 11h12
